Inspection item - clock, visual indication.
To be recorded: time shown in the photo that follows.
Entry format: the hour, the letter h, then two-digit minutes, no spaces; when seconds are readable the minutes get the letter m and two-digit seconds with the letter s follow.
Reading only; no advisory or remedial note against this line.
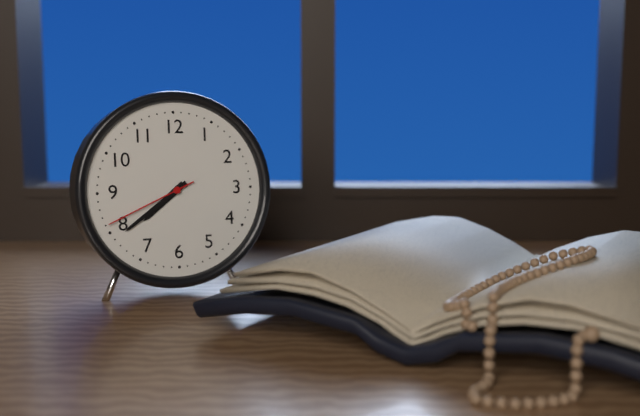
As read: 7h39m41s
